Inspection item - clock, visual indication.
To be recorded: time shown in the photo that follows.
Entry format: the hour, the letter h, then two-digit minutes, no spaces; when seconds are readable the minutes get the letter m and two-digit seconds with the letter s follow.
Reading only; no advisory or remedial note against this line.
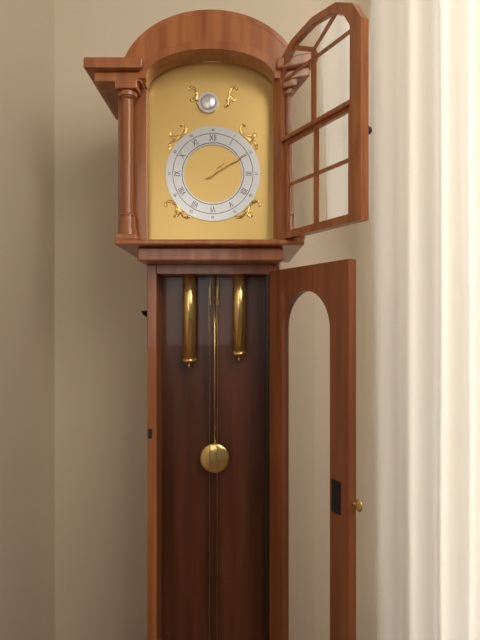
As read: 1h10
